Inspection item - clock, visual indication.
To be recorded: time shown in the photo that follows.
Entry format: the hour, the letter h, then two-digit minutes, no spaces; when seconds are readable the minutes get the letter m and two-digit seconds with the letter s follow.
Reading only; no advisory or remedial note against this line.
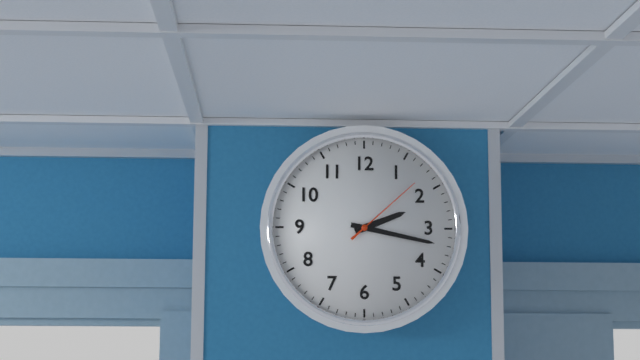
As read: 2h17m08s
